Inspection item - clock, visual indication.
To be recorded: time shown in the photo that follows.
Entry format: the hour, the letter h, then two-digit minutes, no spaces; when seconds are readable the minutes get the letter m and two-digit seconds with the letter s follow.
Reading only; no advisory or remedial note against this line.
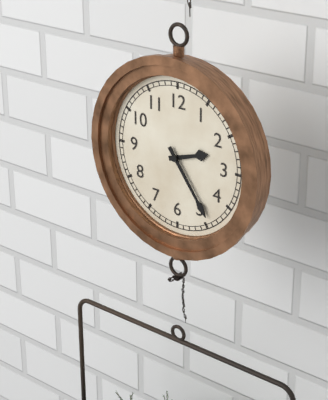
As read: 2h24
